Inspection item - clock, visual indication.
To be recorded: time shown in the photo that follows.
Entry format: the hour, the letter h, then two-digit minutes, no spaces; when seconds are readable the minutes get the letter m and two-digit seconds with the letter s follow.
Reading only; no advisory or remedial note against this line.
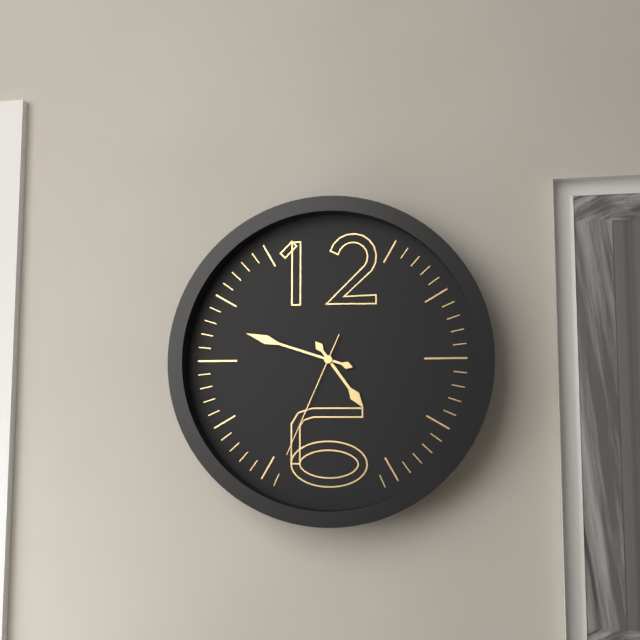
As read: 4h48m34s
